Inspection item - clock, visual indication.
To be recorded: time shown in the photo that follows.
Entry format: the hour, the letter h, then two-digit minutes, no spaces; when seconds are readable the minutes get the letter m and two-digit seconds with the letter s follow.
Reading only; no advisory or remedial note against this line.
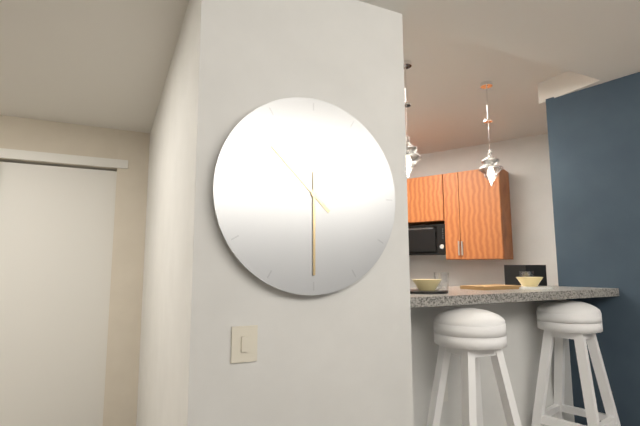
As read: 10h30
